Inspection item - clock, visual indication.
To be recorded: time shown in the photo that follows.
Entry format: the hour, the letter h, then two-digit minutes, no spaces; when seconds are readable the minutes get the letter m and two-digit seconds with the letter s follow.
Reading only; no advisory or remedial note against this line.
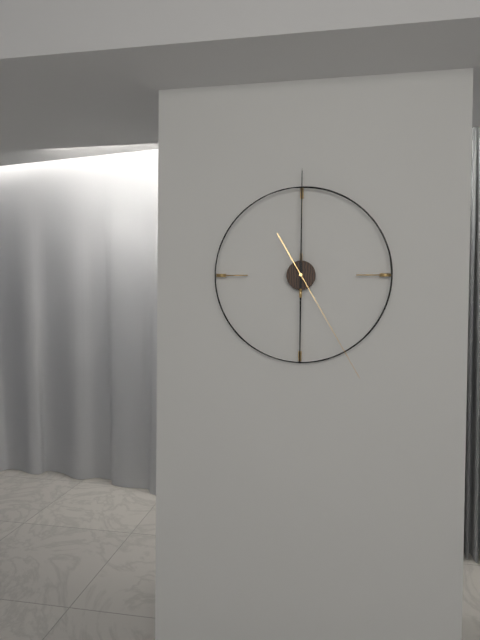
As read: 6h00m25s
